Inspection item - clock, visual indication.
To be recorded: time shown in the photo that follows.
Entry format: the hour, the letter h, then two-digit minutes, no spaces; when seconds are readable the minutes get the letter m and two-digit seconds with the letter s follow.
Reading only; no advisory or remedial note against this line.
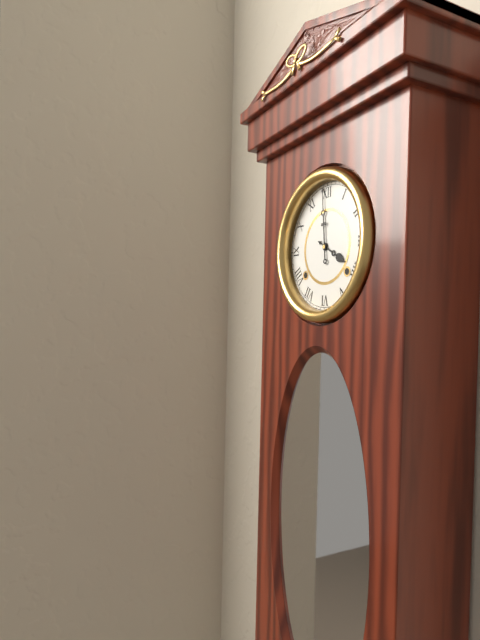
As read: 3h59
